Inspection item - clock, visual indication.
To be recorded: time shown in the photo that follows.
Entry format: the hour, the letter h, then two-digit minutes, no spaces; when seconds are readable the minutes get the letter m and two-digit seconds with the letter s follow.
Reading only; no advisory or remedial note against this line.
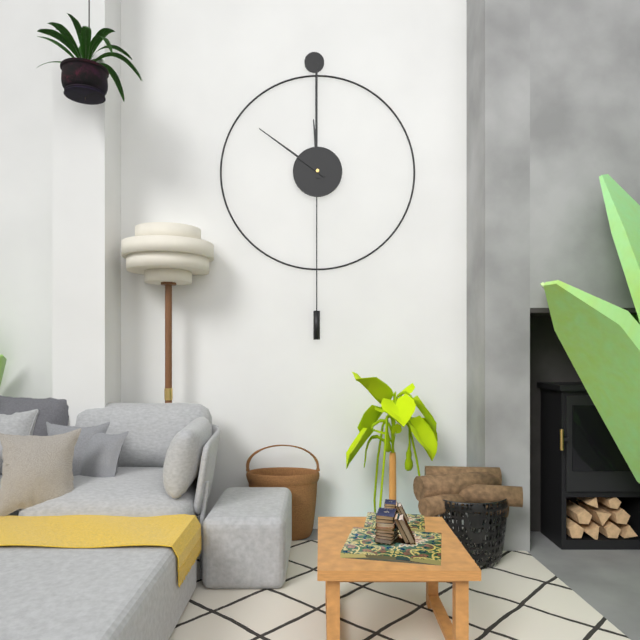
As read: 11h51
